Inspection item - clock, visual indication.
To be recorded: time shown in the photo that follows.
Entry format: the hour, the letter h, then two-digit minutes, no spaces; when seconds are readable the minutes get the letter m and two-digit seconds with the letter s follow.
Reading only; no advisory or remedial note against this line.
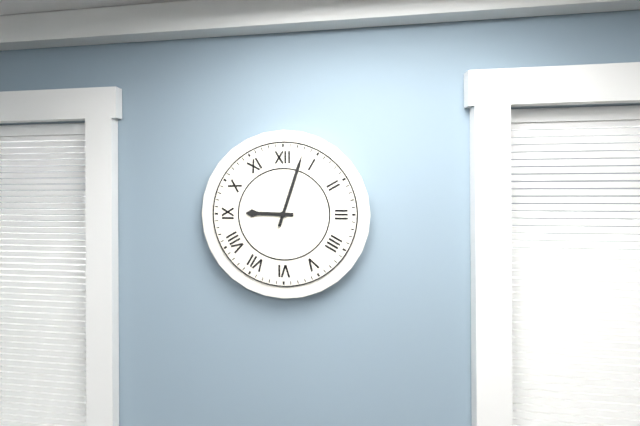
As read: 9h03
